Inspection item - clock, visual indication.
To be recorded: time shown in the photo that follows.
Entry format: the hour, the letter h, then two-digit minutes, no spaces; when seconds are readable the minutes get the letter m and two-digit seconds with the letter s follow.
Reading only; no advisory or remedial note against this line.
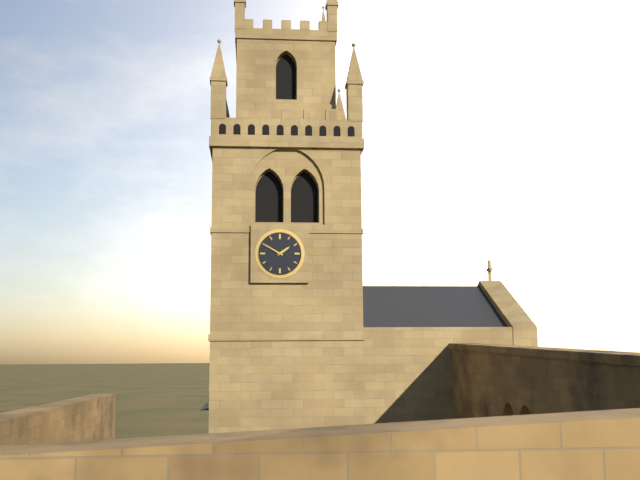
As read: 1h50
